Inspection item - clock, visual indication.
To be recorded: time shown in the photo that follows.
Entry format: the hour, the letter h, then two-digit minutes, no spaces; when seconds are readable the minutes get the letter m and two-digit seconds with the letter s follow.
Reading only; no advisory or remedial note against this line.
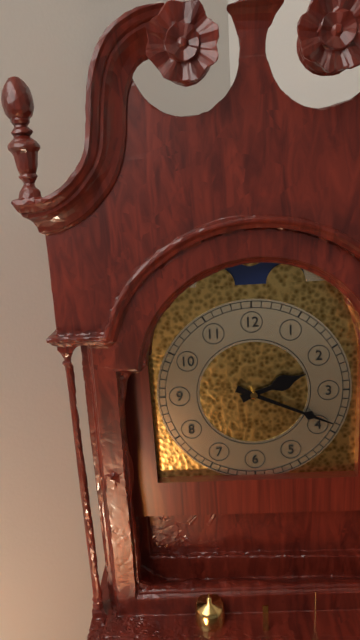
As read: 2h19
